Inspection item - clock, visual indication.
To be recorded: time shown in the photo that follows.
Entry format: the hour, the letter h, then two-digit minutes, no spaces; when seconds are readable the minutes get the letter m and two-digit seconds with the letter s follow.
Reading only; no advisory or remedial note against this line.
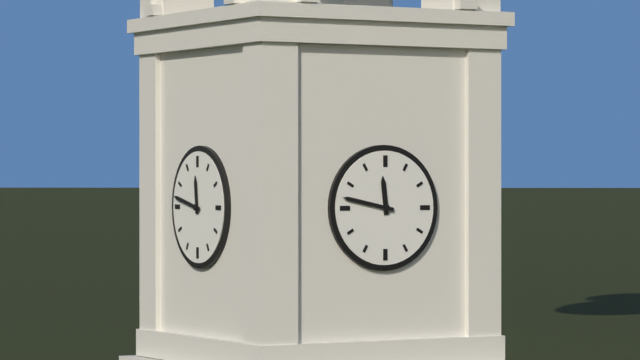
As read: 11h47
